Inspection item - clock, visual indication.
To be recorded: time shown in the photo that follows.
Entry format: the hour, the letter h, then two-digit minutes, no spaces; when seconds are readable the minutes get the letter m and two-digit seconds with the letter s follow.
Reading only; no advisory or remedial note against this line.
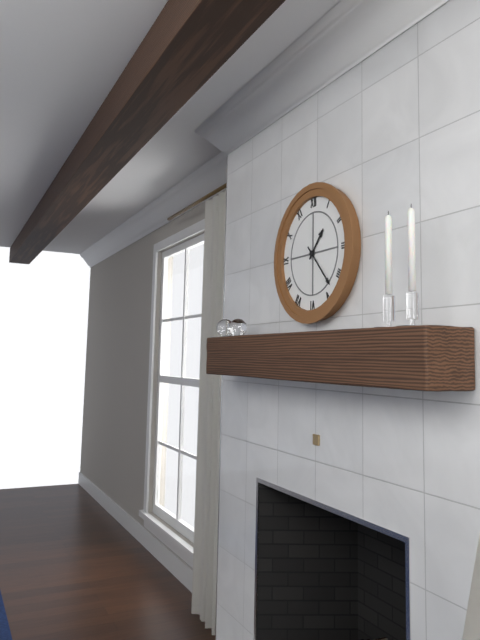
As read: 1h23
